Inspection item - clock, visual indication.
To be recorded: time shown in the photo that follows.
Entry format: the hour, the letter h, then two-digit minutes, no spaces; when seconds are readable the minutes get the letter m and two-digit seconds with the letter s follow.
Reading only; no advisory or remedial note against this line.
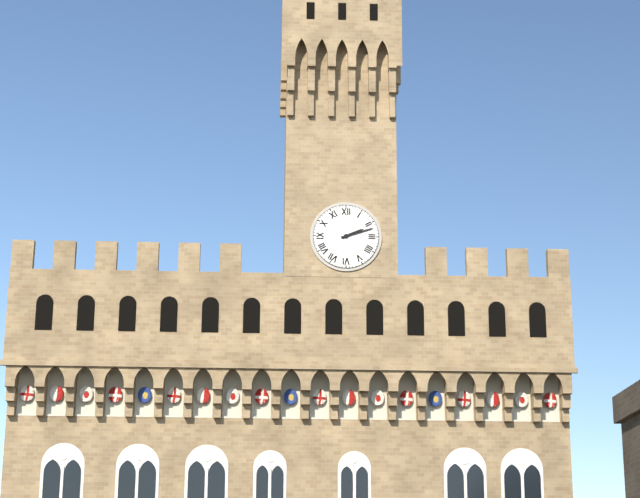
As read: 2h12
